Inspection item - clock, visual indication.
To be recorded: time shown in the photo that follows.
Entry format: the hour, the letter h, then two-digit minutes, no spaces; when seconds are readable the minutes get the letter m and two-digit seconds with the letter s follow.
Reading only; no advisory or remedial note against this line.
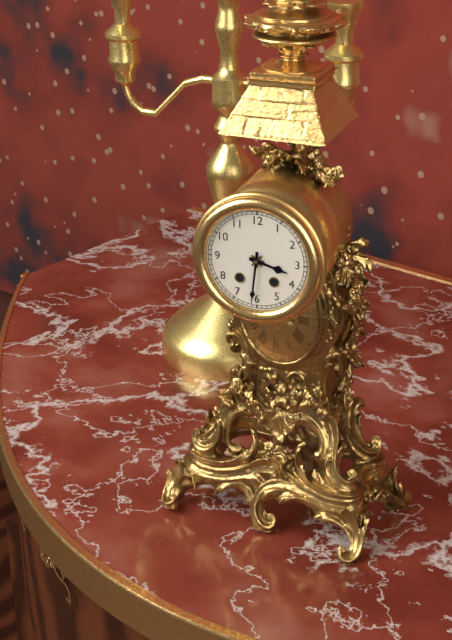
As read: 3h31
